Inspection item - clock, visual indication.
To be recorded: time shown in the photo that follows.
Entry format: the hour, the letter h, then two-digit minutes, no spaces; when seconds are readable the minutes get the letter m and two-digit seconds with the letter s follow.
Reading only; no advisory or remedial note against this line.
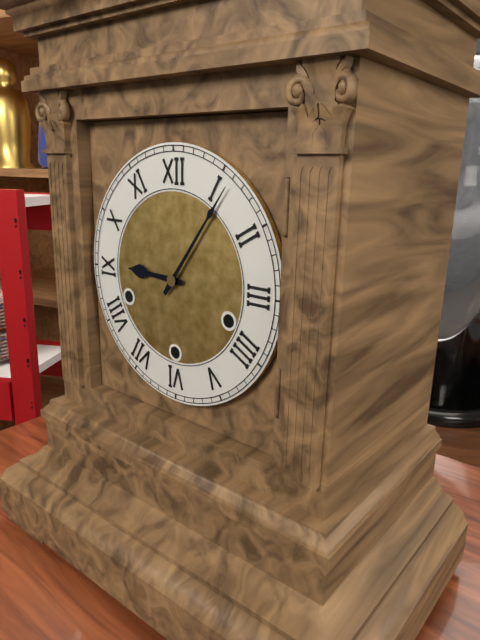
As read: 9h06
